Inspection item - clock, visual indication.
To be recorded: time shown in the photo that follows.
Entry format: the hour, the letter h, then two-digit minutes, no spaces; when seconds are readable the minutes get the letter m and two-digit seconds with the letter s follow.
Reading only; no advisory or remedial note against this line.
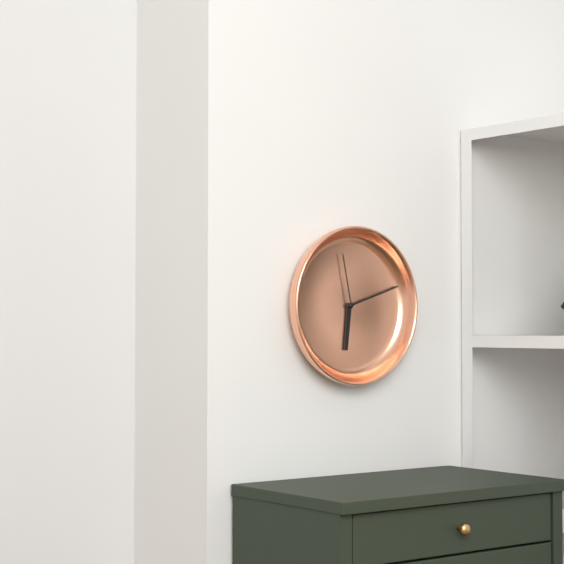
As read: 6h12m58s
